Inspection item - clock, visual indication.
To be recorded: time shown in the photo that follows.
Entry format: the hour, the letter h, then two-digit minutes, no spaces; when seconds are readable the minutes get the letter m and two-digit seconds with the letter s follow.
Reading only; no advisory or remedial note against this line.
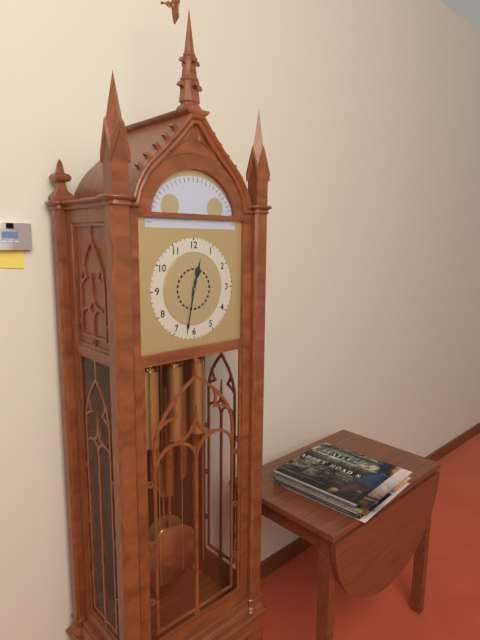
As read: 12h32
